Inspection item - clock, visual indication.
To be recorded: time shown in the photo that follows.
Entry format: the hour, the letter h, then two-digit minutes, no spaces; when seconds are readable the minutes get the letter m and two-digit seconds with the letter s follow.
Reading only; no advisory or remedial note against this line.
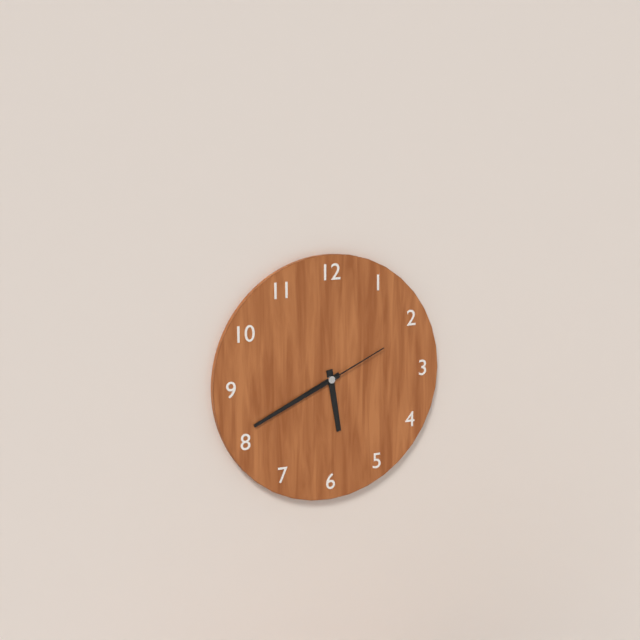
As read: 5h41m11s
